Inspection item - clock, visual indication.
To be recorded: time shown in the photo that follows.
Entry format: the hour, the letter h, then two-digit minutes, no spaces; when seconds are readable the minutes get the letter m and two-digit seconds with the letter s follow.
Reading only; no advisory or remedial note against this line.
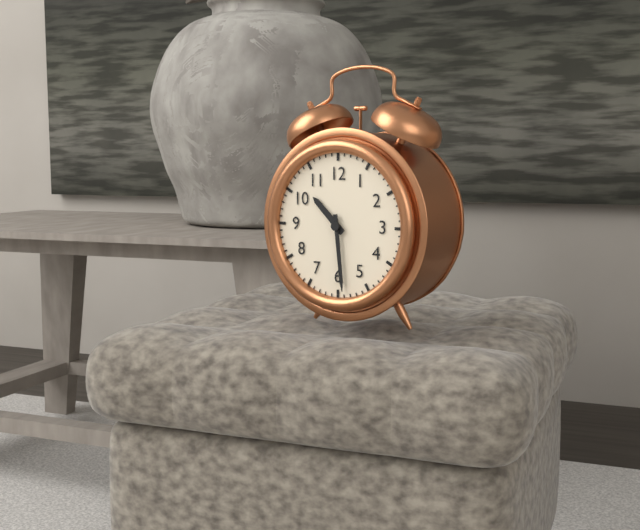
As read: 10h29
